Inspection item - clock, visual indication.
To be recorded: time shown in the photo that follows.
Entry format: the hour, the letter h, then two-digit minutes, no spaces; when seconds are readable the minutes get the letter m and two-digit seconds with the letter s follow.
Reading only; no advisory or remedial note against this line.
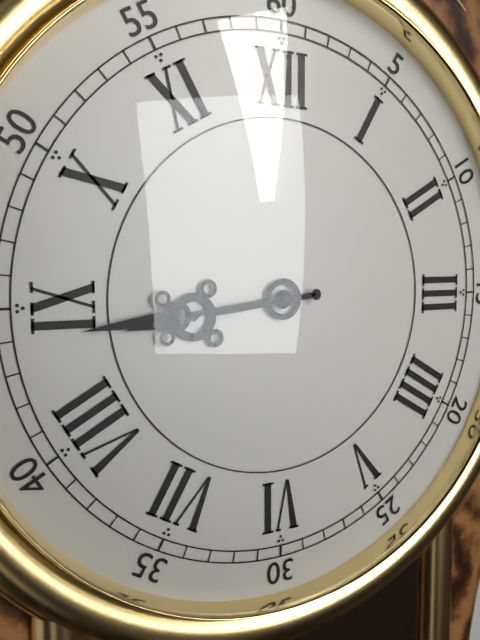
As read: 8h44
